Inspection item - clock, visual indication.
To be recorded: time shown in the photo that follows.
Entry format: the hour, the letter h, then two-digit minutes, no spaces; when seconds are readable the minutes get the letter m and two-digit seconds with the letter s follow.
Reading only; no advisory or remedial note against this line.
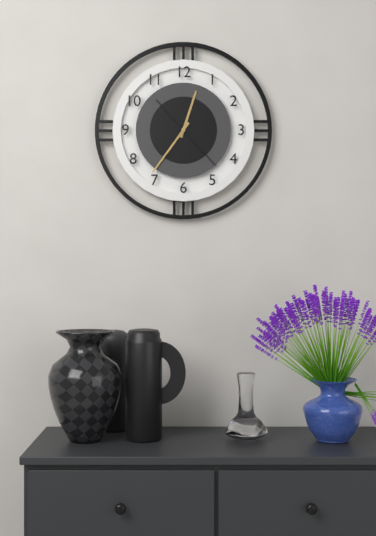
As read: 12h36m23s
